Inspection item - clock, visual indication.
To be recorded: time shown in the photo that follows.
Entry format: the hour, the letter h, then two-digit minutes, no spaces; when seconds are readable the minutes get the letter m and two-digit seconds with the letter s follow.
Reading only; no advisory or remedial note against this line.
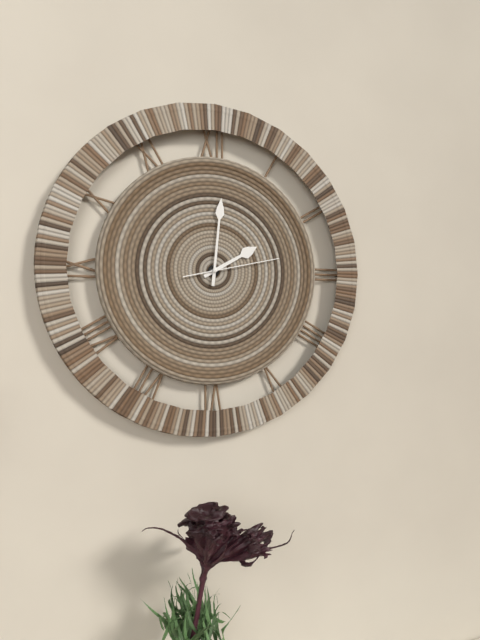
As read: 2h01m13s
